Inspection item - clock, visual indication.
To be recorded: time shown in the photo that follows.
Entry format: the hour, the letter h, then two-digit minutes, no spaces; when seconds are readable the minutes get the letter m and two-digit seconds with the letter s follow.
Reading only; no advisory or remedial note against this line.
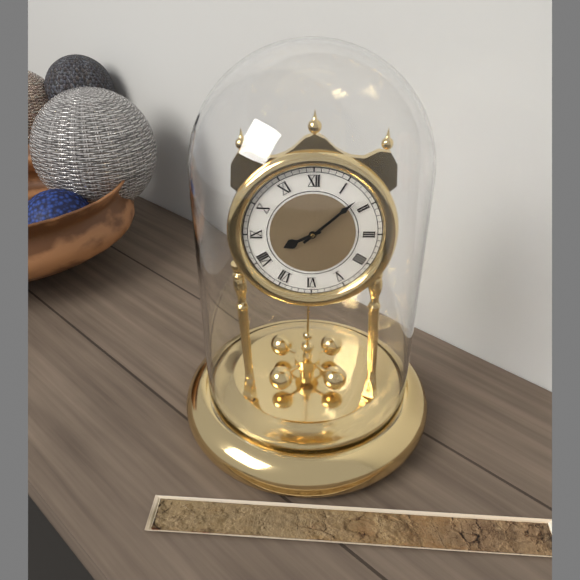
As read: 8h08
